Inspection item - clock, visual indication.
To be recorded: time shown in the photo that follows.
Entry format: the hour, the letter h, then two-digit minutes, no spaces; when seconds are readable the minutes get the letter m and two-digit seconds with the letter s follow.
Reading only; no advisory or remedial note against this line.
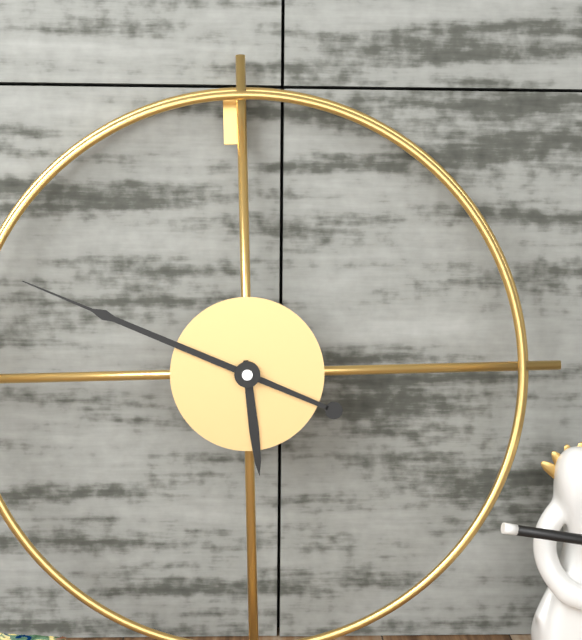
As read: 5h49
